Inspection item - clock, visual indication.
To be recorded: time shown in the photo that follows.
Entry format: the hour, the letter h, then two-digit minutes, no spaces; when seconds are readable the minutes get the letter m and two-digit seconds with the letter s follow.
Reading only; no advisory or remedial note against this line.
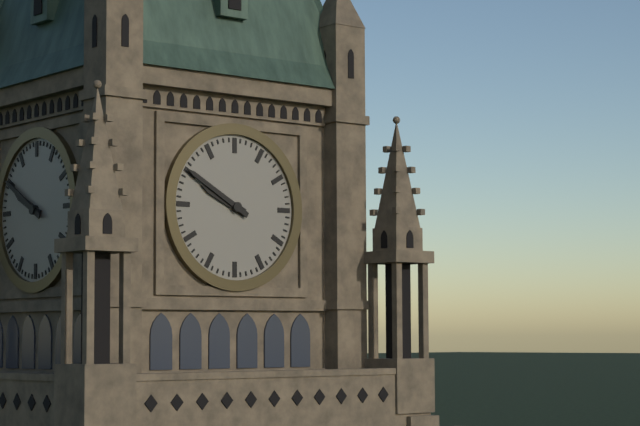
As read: 9h50
